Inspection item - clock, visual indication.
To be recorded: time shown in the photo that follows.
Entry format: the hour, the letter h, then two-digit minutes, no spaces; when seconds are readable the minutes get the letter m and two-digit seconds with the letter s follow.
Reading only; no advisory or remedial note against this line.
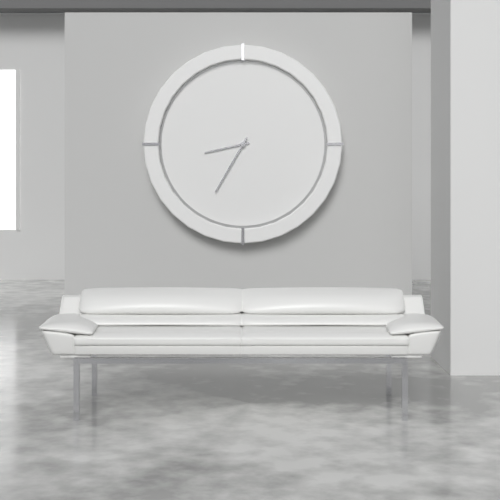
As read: 8h35
